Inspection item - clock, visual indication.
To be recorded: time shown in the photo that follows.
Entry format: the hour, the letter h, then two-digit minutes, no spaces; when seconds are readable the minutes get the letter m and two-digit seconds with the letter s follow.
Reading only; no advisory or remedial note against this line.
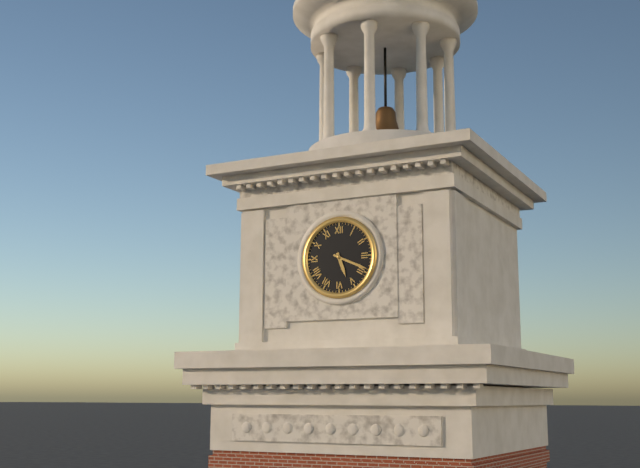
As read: 5h19
